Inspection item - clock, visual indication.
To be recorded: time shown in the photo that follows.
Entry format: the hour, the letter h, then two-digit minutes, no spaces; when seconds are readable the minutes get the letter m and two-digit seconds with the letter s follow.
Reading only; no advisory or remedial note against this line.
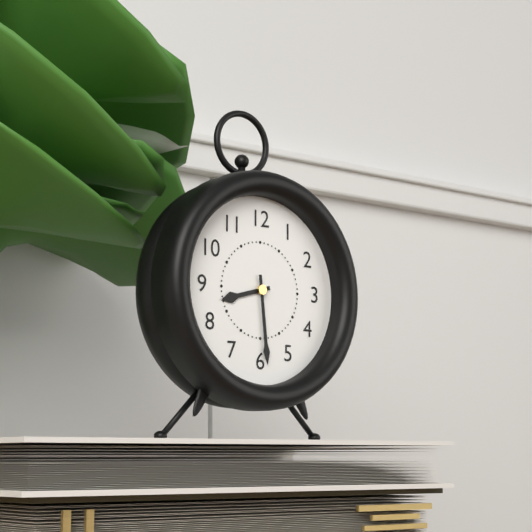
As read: 8h29
